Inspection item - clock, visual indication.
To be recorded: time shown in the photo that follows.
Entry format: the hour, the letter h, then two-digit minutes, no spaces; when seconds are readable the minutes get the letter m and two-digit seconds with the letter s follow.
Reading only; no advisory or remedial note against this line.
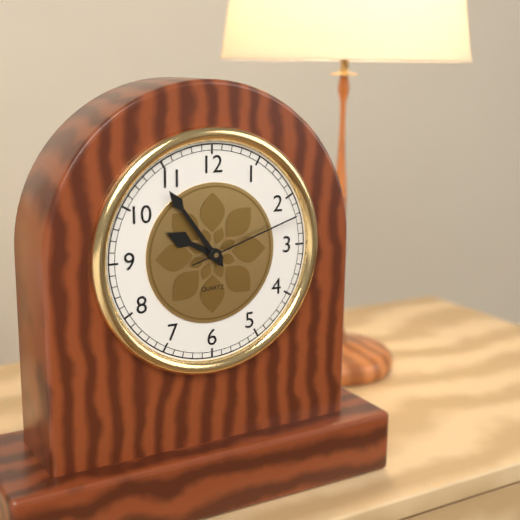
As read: 9h54m12s
